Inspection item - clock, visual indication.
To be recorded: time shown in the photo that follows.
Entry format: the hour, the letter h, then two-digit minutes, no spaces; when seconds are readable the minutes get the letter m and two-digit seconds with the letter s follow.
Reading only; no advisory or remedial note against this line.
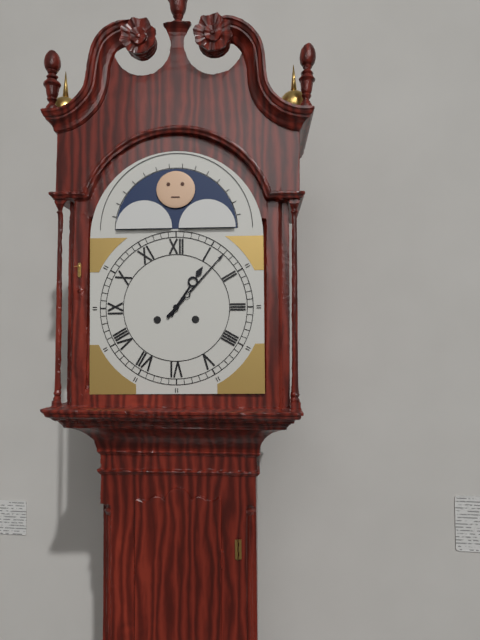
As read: 1h07
